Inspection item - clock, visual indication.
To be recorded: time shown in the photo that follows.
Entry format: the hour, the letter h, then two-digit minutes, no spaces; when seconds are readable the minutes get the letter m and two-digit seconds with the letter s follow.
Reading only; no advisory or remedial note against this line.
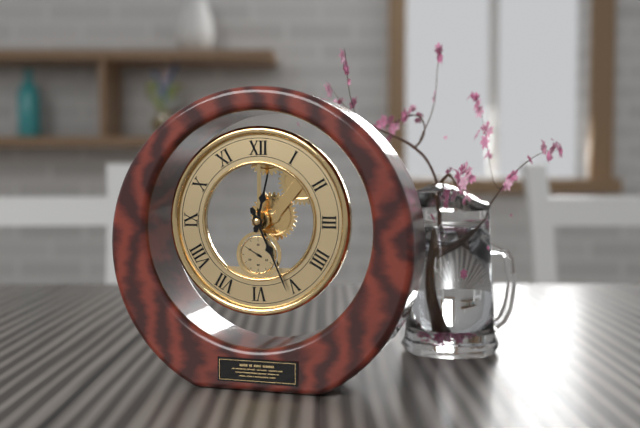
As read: 12h26
